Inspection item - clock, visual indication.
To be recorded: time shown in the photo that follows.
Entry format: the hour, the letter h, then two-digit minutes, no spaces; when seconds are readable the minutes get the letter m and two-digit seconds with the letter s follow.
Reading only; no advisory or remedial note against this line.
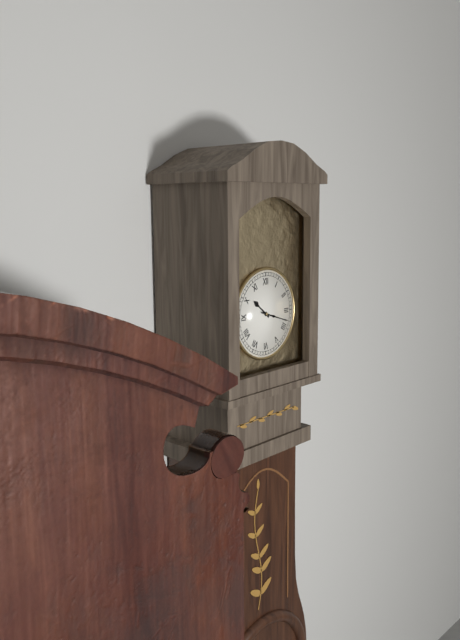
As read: 10h18
